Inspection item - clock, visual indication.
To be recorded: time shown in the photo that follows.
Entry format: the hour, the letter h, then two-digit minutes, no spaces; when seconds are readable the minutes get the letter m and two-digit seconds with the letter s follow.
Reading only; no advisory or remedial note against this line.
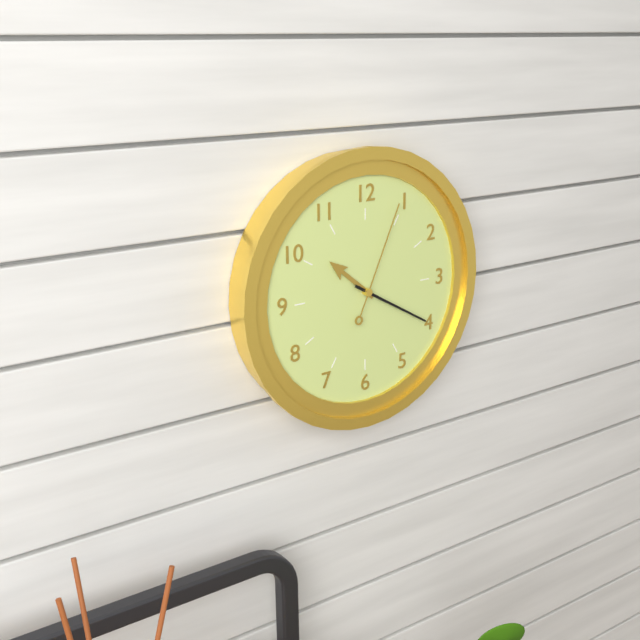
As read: 10h20m04s
